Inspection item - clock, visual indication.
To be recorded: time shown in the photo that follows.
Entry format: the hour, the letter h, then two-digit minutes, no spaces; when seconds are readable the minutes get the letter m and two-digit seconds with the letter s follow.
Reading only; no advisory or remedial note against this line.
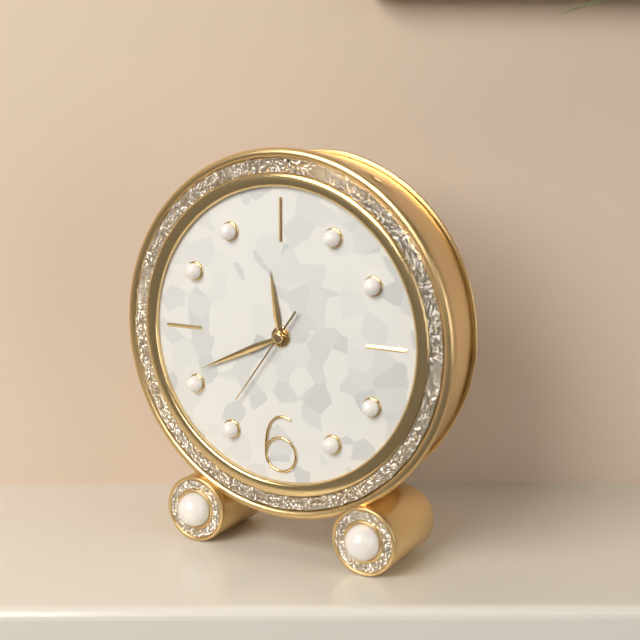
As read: 11h41m36s
